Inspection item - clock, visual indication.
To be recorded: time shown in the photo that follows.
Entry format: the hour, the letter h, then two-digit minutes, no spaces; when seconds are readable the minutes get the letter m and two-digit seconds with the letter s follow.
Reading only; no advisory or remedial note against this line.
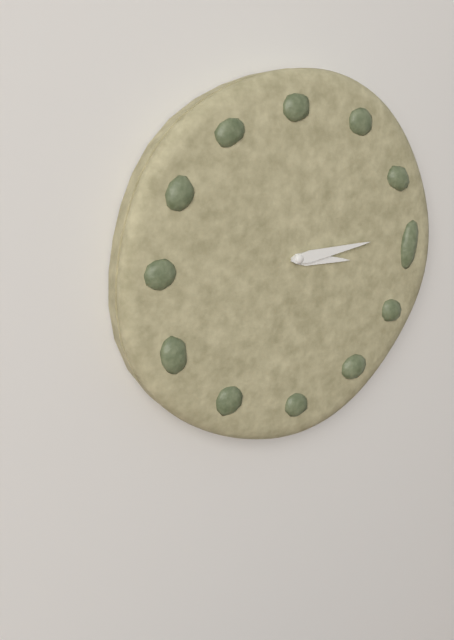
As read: 3h14
